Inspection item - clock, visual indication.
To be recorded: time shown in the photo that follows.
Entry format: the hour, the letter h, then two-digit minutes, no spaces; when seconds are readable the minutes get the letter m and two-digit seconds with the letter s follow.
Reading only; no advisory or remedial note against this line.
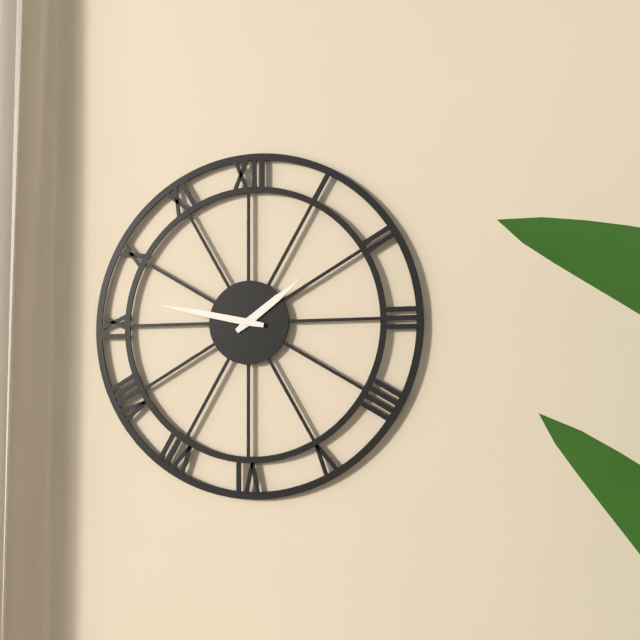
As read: 1h47
